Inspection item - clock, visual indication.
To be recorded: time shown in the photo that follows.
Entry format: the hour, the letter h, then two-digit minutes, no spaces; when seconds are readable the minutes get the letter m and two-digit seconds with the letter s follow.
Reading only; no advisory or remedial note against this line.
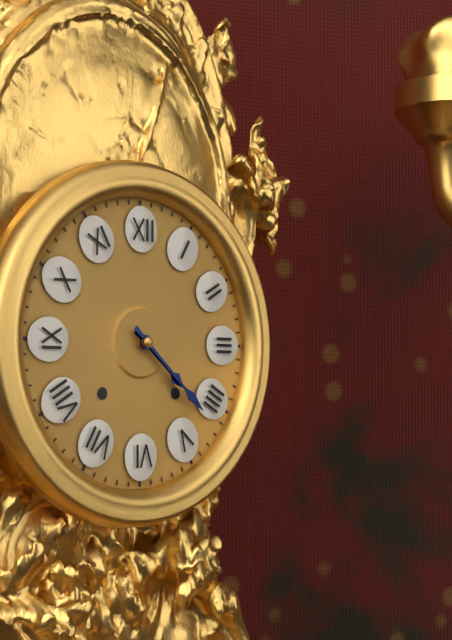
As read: 4h22
